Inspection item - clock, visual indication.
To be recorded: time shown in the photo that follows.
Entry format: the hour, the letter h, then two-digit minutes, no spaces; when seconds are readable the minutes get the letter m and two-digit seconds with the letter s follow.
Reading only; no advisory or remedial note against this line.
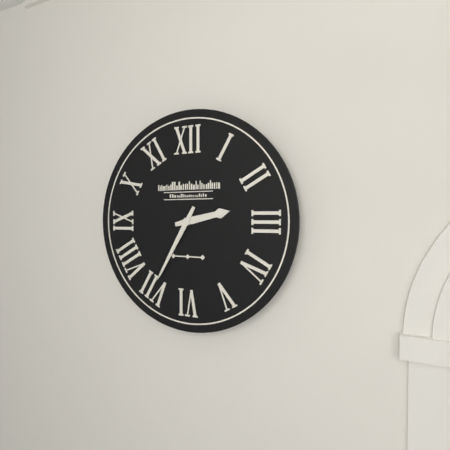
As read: 2h35
